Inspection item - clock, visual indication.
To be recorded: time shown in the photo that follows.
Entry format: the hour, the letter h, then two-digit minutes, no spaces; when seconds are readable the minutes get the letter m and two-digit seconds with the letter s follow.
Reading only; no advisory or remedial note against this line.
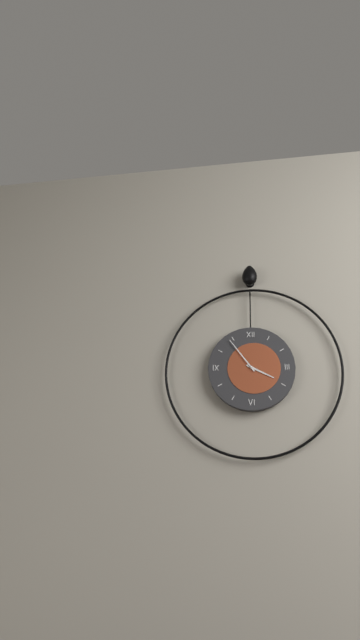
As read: 3h54
